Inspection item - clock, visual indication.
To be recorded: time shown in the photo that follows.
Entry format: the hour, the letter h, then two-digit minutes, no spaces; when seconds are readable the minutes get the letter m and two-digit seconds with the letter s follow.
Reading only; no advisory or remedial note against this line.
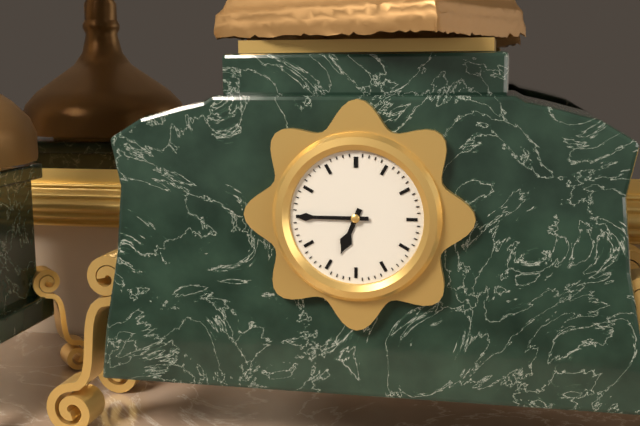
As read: 6h45
